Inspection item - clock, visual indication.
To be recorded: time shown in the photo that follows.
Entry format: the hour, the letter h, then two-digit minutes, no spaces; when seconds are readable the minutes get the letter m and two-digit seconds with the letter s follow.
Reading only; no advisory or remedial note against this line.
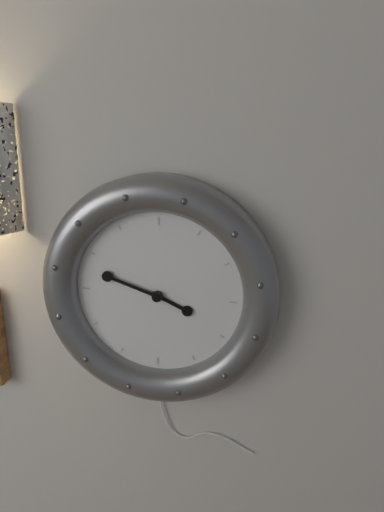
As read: 3h48
